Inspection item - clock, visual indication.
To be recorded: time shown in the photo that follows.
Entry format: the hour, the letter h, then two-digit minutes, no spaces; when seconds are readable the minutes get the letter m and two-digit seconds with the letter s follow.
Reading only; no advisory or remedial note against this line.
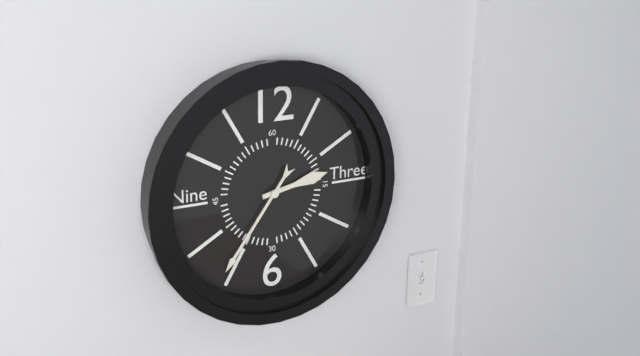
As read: 2h36
